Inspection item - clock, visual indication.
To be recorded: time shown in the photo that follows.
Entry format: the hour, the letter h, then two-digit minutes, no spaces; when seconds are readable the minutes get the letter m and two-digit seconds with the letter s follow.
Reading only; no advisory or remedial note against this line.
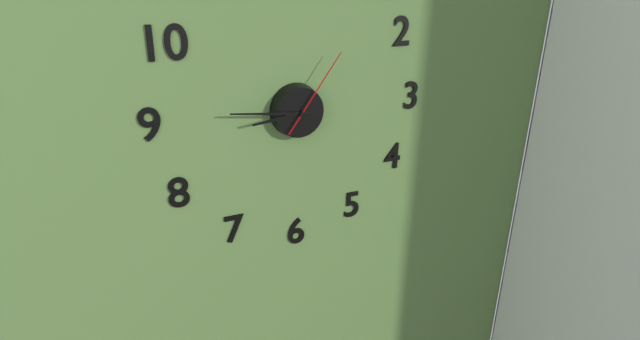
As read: 8h46m06s
